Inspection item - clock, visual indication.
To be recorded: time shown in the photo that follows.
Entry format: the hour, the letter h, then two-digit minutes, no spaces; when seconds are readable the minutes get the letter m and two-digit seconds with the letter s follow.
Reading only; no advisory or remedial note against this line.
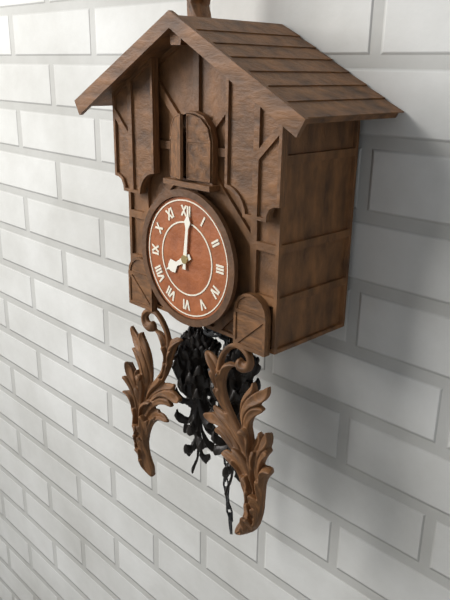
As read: 8h01
